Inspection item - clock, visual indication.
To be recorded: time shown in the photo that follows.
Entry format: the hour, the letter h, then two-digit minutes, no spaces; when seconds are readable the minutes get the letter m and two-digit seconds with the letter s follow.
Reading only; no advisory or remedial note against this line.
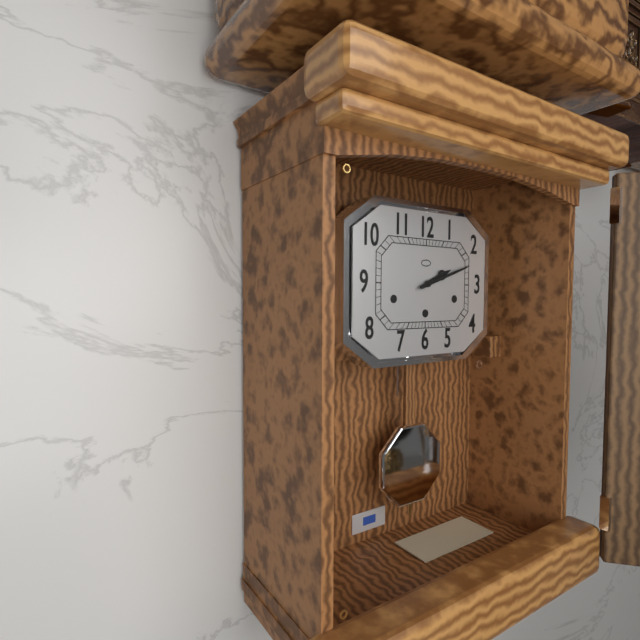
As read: 2h12
